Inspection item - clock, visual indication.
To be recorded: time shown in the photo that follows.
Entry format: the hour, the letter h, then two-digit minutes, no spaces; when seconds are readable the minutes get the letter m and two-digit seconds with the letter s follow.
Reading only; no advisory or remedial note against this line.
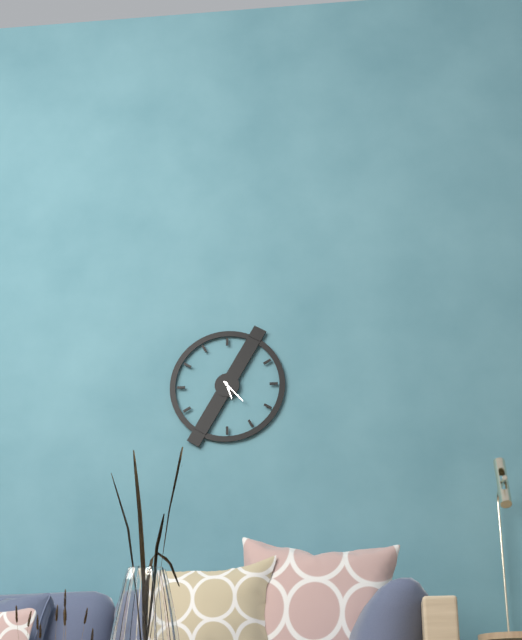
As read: 5h23
